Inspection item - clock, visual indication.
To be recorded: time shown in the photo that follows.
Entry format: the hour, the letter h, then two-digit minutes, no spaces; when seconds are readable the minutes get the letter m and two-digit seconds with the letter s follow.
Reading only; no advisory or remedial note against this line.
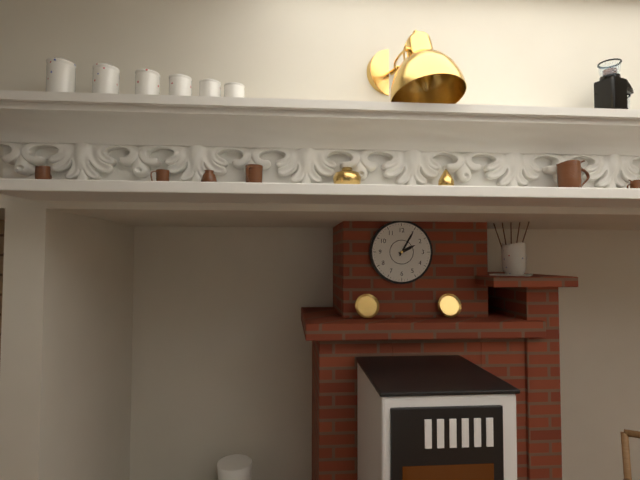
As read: 2h05
